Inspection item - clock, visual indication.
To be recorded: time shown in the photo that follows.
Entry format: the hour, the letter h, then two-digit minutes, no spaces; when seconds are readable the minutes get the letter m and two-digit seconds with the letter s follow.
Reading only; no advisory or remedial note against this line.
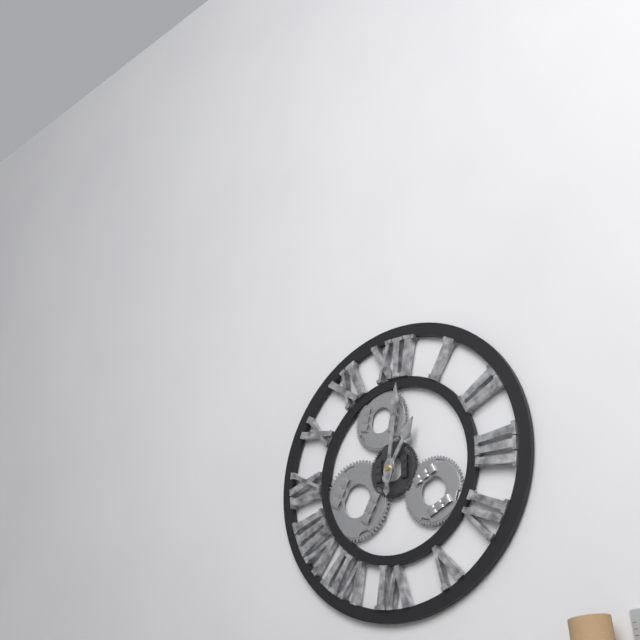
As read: 1h01
